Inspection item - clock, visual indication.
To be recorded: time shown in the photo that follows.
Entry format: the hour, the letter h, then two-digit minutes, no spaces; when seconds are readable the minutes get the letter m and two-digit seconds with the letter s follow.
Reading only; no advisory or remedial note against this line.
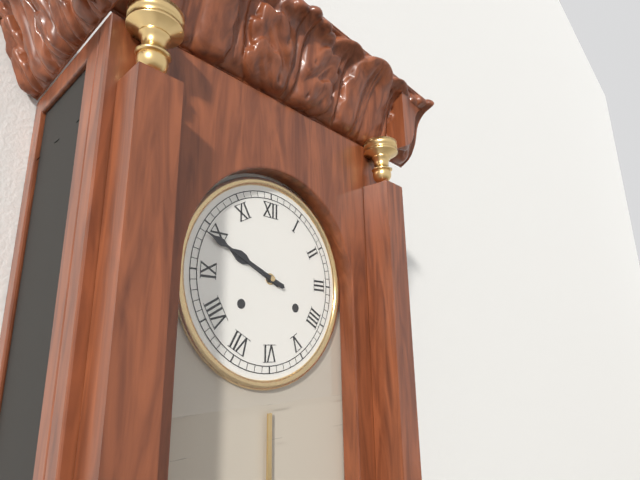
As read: 9h49
